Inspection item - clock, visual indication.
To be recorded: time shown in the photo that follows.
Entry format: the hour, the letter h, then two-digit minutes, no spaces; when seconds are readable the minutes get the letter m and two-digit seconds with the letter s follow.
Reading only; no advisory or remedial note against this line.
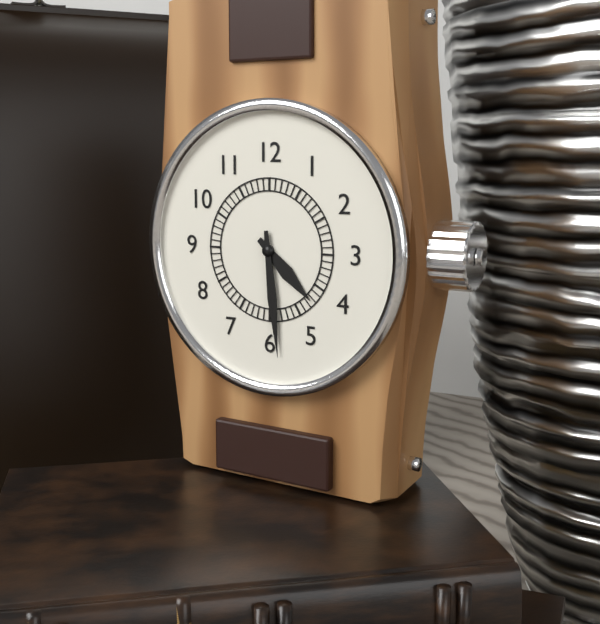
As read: 4h29
